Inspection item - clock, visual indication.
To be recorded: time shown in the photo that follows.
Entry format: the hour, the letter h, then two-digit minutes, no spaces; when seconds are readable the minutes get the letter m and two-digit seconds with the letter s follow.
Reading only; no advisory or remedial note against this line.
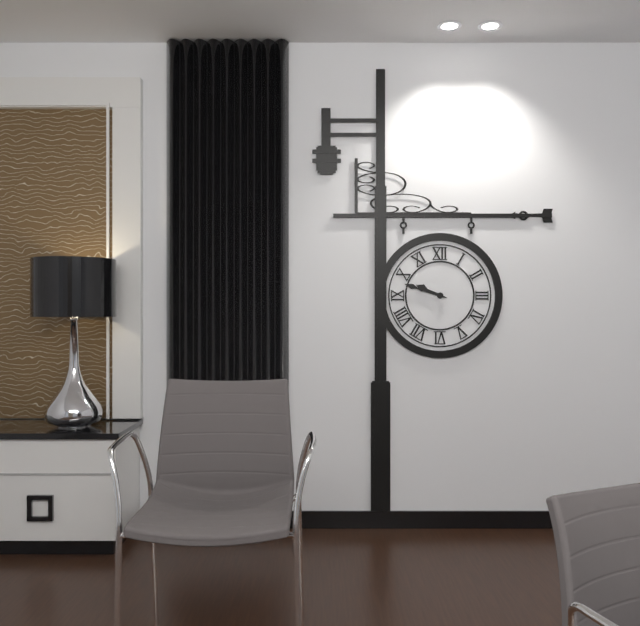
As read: 9h48
